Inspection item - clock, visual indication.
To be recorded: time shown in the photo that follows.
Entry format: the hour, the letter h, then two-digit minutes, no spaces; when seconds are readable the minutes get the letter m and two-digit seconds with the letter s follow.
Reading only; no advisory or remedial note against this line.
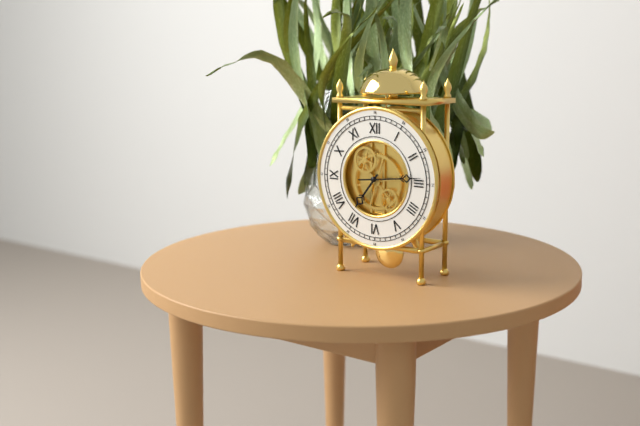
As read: 7h14
